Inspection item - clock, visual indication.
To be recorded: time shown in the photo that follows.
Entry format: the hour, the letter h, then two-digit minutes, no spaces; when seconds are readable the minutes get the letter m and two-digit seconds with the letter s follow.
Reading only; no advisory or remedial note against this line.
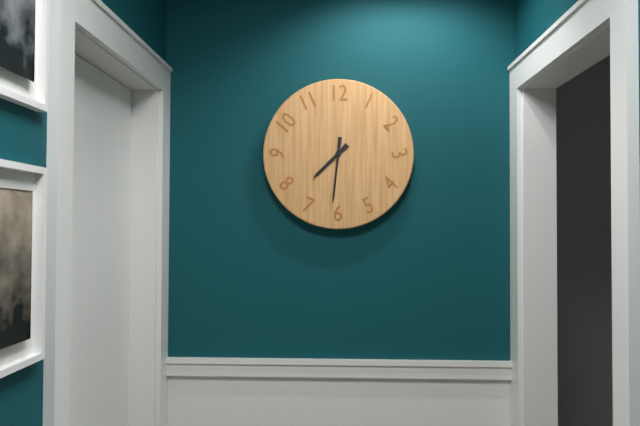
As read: 7h31
